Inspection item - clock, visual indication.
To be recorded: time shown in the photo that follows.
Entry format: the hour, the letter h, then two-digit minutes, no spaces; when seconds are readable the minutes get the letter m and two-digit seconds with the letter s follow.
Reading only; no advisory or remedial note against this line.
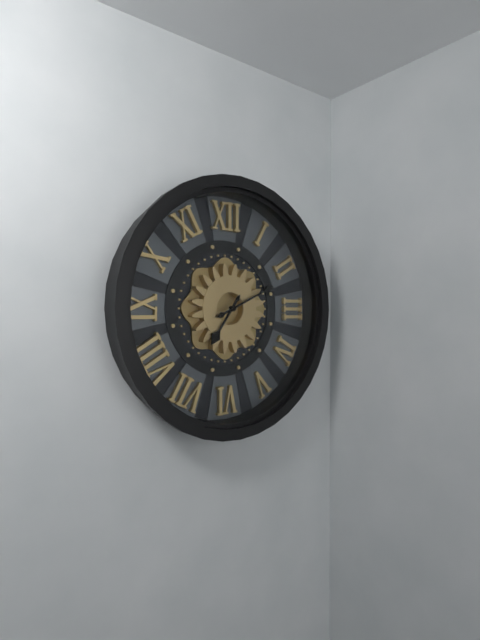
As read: 7h11
